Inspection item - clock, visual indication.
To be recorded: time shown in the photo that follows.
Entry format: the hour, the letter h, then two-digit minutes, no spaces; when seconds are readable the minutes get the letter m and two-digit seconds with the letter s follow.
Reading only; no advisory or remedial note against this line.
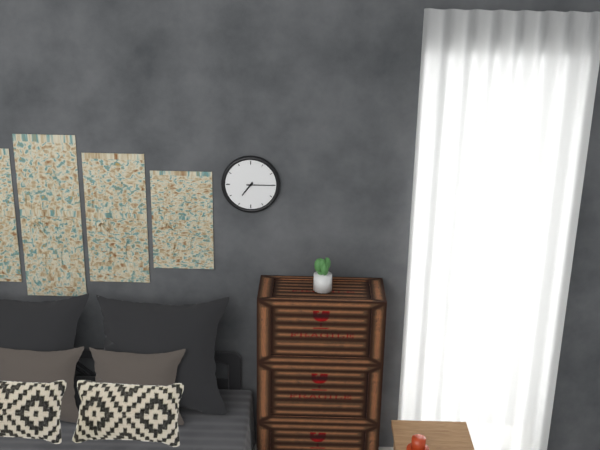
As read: 7h15
